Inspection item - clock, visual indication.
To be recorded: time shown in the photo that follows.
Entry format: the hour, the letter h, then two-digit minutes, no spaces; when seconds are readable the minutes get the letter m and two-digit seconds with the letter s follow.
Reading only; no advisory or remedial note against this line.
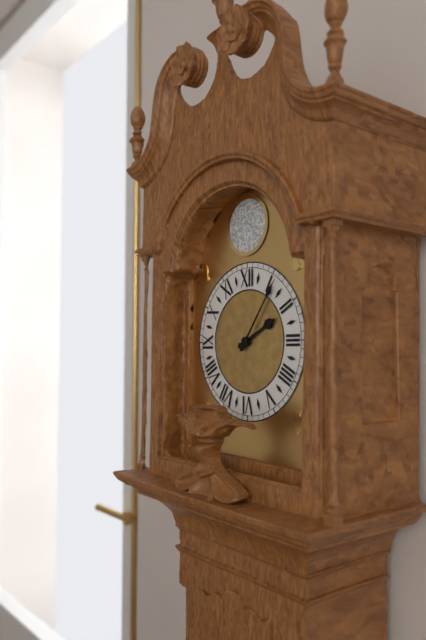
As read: 2h06
